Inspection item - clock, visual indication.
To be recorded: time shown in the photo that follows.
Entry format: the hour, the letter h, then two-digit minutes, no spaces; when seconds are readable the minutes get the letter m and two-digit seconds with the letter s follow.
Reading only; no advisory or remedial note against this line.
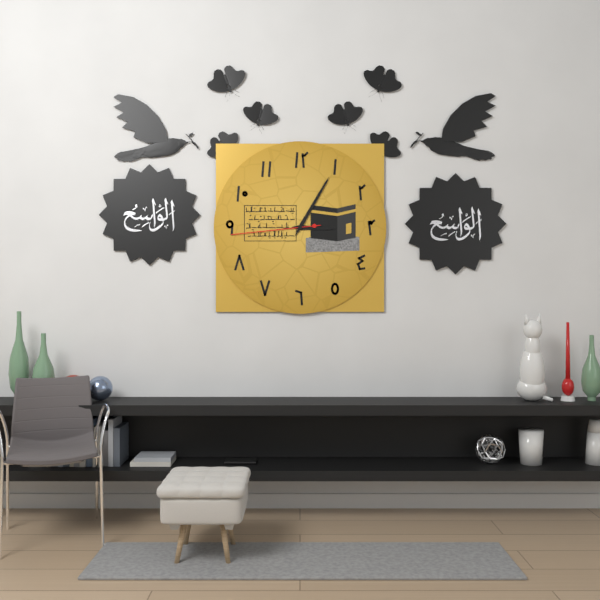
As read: 3h05m44s
